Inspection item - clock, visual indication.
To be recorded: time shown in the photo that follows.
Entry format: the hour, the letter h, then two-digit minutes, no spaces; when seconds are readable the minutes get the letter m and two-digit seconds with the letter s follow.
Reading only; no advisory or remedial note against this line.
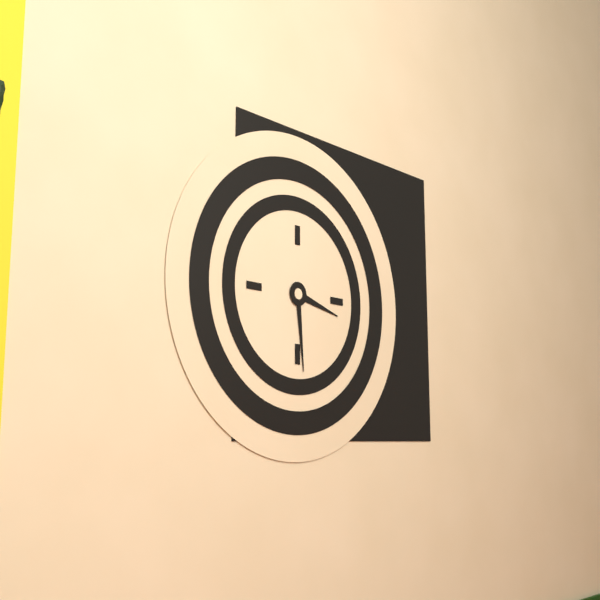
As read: 3h29
